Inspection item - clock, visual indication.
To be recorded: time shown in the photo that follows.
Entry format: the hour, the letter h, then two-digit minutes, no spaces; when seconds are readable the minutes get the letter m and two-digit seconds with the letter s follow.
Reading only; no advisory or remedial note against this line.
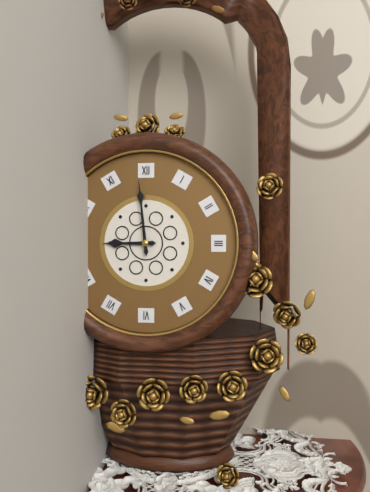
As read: 8h59
